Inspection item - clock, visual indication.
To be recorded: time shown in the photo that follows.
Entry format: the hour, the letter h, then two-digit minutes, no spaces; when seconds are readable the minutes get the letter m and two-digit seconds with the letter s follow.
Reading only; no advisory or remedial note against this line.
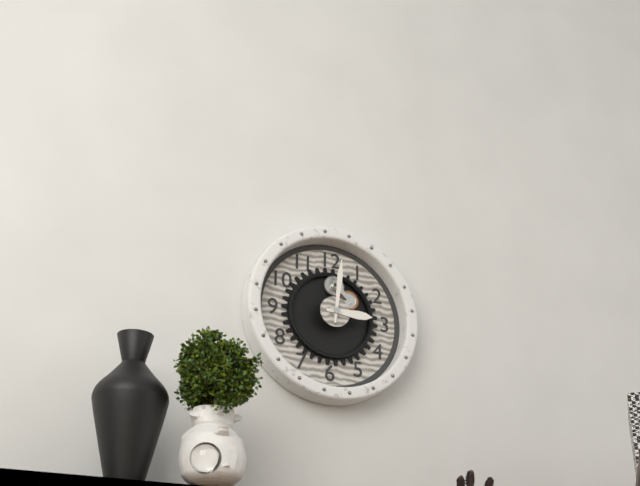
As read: 3h01
